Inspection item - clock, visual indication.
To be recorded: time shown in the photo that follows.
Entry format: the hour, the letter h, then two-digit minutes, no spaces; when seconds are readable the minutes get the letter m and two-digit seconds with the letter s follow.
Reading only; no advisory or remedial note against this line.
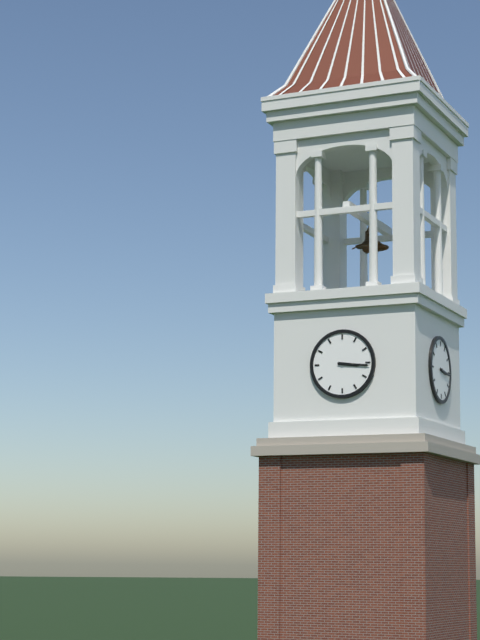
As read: 3h16
